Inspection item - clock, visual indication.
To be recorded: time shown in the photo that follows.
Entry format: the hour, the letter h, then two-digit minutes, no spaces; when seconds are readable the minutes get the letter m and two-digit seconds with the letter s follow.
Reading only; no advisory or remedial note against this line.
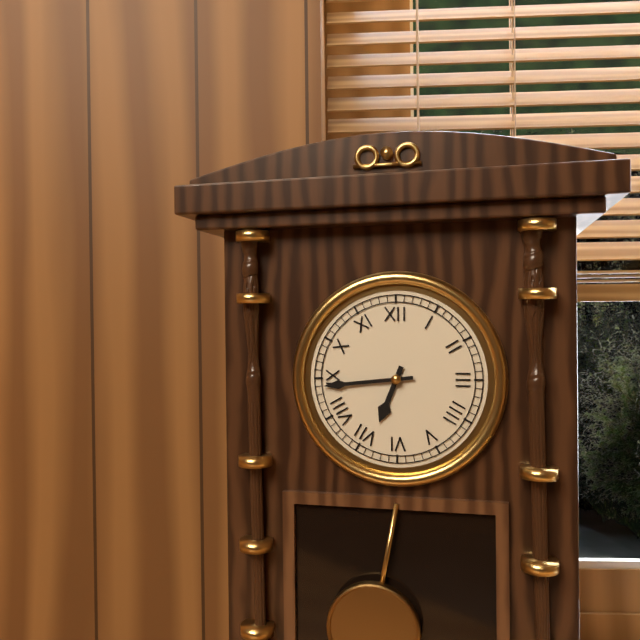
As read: 6h44
